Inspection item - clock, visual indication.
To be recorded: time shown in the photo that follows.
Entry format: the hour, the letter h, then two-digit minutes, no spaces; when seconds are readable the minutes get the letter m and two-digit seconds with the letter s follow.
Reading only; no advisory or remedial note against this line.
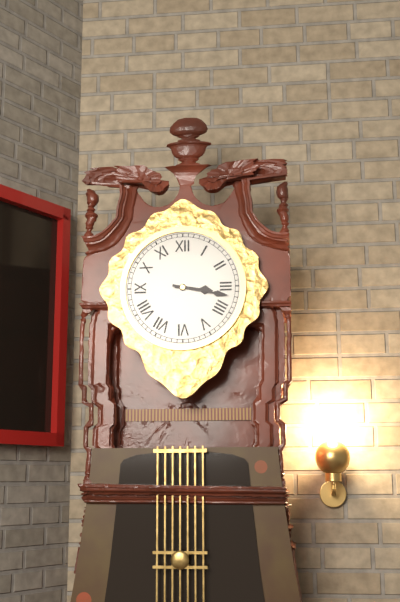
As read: 3h17
